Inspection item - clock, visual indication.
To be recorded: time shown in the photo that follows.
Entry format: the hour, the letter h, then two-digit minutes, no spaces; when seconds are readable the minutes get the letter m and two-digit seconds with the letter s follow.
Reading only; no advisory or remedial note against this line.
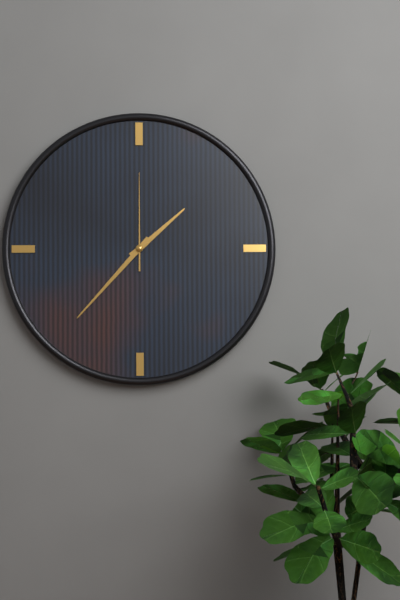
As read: 1h37m00s
